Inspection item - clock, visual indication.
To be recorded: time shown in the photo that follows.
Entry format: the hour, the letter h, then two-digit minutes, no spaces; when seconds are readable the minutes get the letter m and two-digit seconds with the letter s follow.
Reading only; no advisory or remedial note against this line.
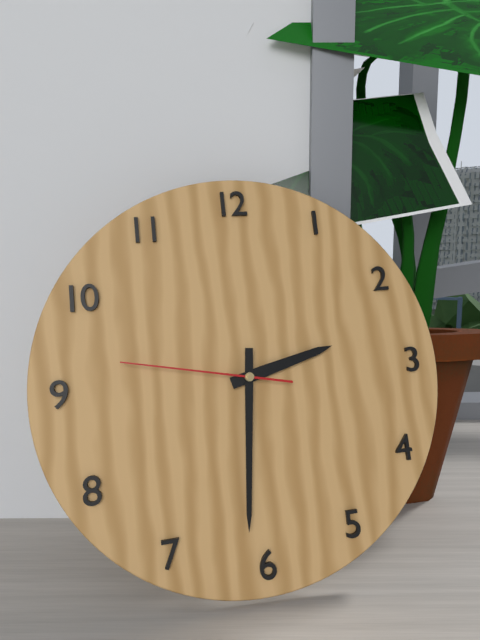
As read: 2h31m47s
